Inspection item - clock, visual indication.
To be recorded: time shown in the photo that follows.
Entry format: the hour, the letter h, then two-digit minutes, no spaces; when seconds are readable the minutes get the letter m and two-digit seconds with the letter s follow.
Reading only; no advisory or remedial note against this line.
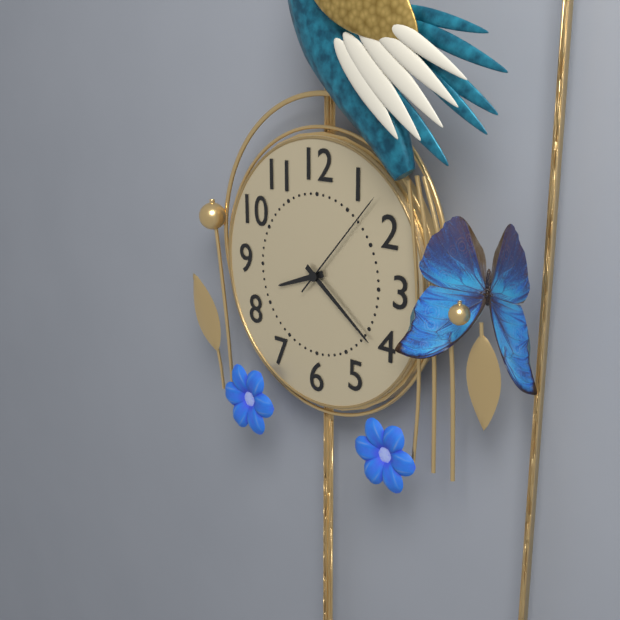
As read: 8h21m07s
